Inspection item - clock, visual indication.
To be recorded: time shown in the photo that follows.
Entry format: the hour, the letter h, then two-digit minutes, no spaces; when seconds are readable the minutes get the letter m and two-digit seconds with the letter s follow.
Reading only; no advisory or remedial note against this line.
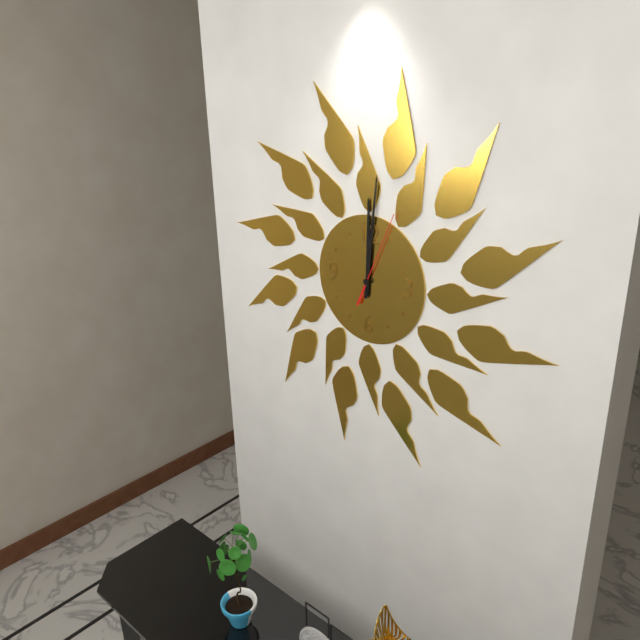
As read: 12h01m04s
